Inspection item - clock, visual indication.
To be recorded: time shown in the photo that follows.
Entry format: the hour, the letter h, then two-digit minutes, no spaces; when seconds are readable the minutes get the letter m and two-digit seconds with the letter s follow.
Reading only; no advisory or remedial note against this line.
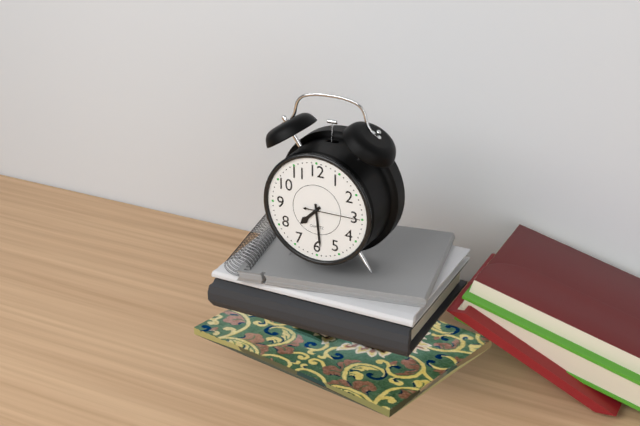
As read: 7h29
